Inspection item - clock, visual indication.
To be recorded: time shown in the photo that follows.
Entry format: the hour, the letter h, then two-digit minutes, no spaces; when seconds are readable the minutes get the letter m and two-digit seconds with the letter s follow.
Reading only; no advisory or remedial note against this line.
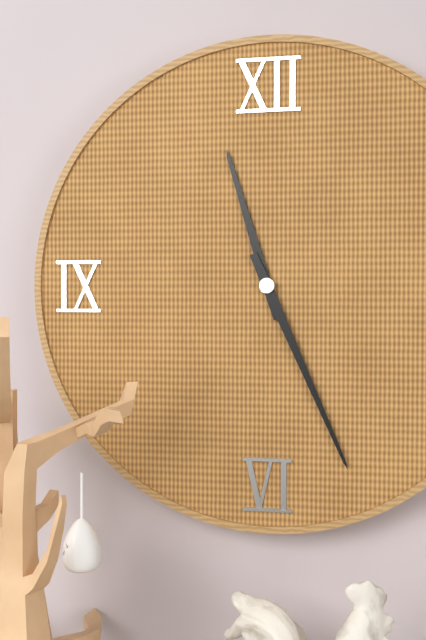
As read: 11h26
